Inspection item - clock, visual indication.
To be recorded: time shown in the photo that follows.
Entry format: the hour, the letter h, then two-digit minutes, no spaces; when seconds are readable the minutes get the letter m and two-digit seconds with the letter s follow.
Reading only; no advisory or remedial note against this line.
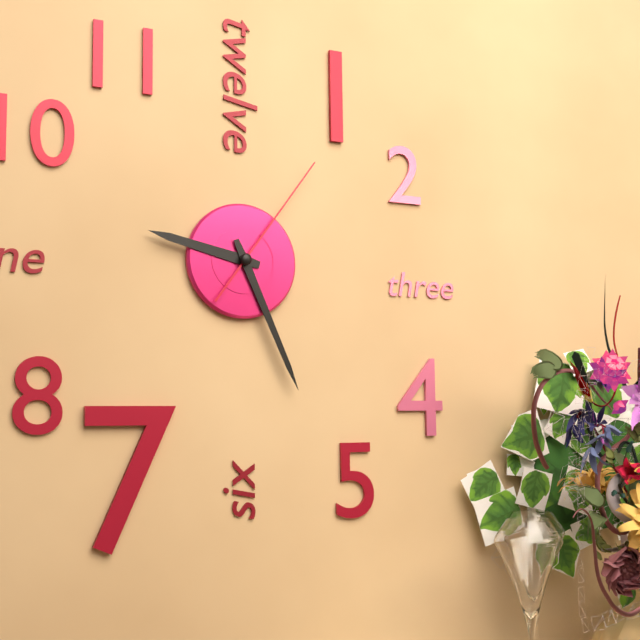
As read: 9h26m06s
